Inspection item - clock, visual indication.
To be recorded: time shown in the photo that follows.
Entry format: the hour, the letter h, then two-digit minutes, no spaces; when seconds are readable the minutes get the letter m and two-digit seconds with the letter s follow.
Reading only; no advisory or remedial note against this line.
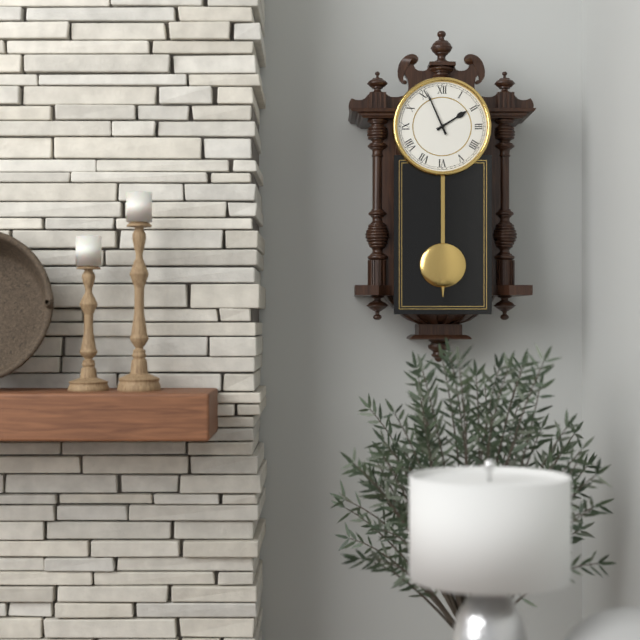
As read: 1h56
